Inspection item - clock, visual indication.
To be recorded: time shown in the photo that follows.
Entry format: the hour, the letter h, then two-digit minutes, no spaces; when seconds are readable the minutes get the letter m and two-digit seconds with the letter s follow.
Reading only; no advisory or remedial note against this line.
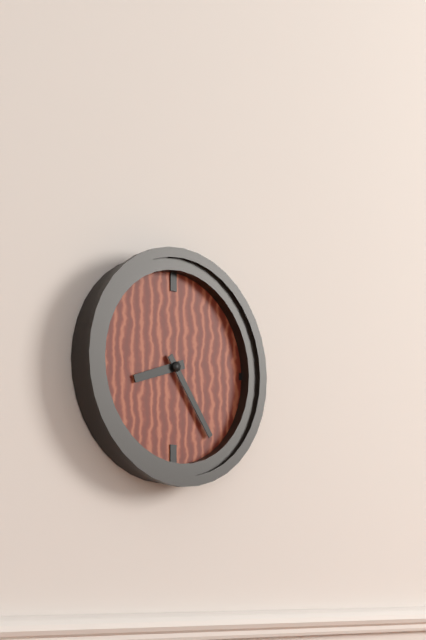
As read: 8h24
